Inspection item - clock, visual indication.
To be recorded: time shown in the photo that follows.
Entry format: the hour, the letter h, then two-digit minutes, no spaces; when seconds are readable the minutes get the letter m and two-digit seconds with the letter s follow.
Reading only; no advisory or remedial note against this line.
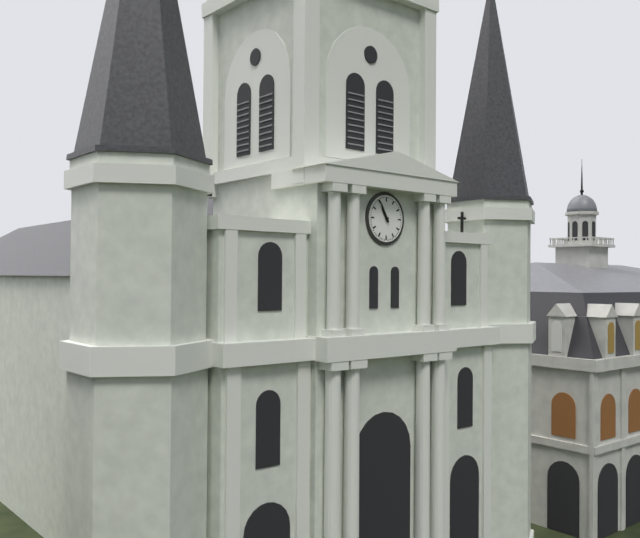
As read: 10h55
